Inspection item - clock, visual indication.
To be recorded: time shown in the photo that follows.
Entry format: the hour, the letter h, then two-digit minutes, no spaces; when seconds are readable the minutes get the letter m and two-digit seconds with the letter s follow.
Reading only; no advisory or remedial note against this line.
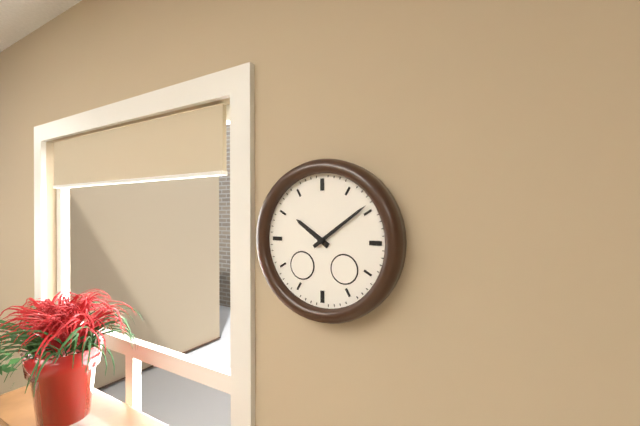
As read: 10h09
